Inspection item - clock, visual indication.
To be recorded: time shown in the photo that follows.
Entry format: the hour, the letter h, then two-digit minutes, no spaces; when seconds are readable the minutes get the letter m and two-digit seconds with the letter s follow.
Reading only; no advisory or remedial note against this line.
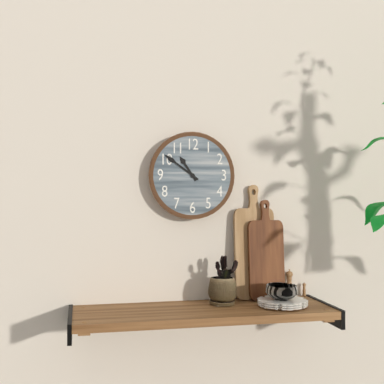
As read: 10h51
